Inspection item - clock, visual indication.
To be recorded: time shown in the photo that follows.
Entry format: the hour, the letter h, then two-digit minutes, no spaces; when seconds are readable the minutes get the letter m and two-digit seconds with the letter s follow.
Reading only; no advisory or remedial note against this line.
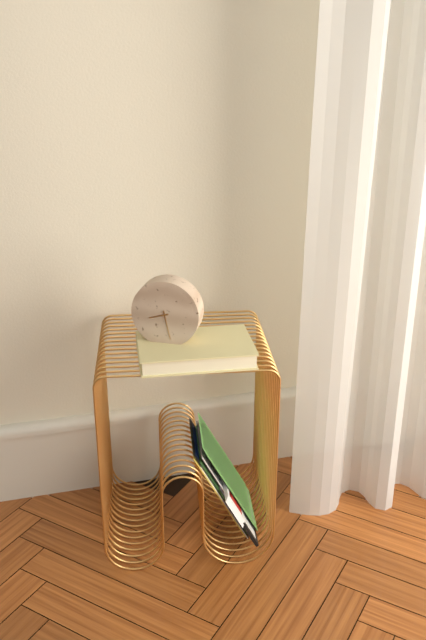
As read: 8h28
